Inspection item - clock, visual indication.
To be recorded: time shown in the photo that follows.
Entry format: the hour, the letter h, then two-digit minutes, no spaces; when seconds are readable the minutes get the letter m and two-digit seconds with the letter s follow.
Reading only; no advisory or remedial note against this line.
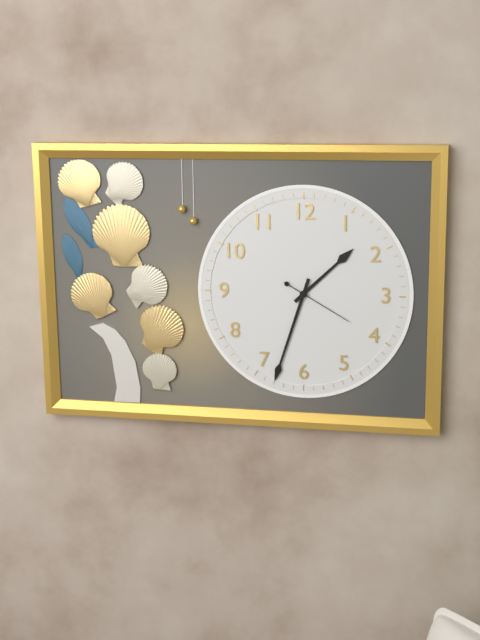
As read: 1h33m20s
